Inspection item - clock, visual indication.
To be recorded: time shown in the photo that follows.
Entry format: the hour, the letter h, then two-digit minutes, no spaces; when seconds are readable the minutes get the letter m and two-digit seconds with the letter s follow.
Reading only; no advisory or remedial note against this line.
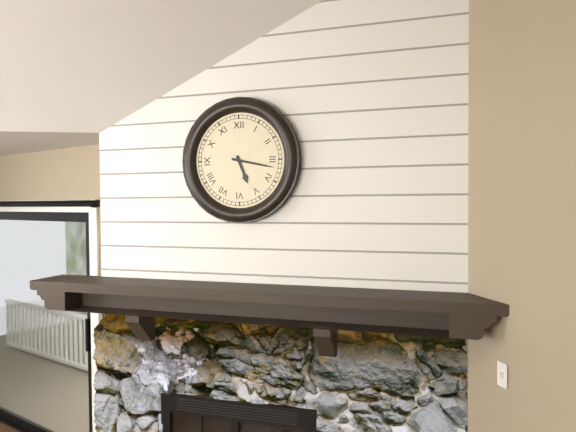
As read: 5h17
